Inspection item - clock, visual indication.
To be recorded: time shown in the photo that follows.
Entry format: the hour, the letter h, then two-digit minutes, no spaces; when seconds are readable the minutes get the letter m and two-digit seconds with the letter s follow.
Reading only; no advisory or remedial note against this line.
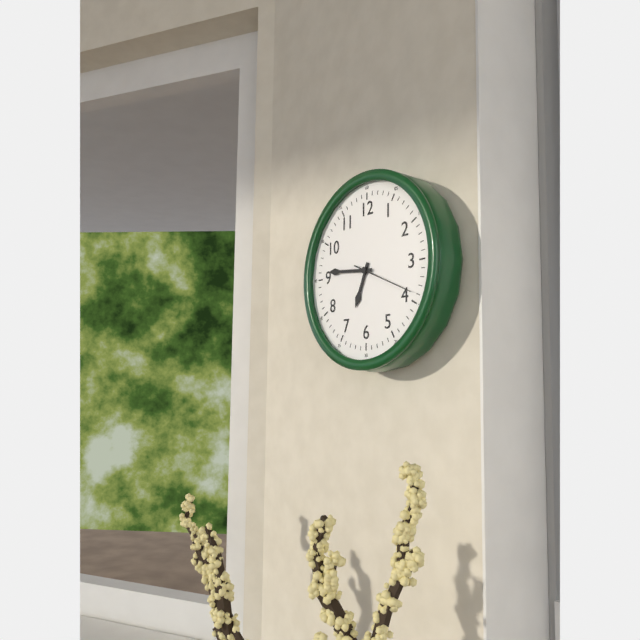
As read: 6h46m19s
